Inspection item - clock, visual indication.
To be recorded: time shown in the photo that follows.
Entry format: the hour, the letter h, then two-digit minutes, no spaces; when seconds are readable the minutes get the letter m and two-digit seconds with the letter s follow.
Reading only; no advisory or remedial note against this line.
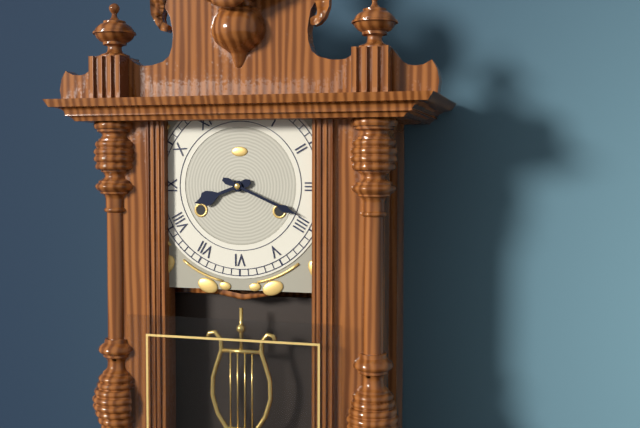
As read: 8h19
